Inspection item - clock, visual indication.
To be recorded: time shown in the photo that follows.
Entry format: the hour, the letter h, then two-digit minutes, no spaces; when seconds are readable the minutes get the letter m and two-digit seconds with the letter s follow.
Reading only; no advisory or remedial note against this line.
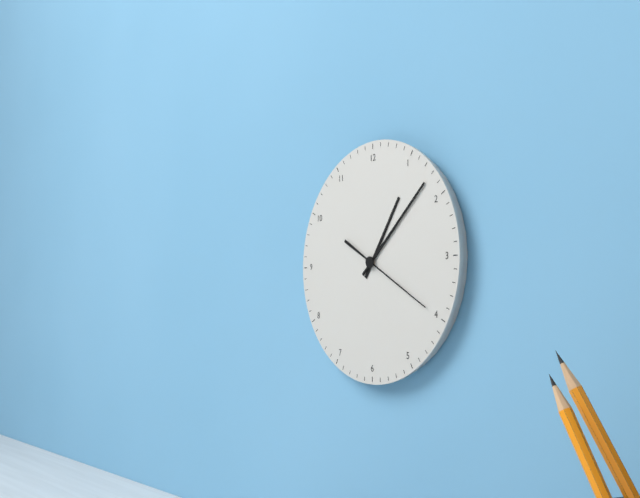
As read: 1h08m20s
